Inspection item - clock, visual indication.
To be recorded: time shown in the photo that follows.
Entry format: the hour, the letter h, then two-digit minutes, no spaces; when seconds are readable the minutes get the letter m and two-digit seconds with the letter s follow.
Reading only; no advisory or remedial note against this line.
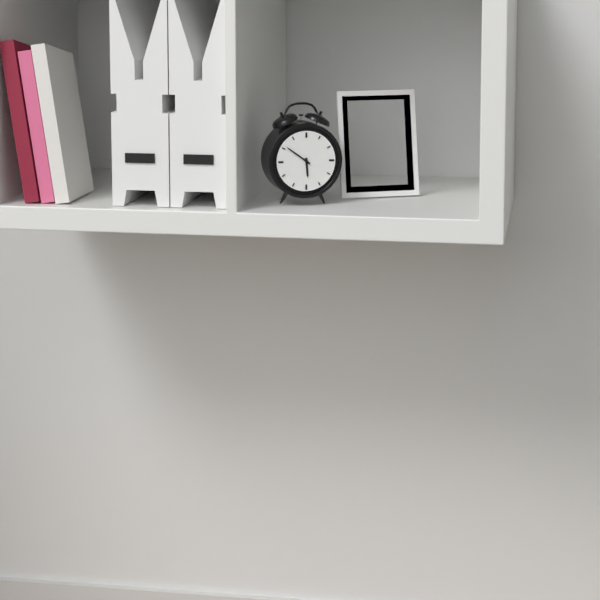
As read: 5h51
